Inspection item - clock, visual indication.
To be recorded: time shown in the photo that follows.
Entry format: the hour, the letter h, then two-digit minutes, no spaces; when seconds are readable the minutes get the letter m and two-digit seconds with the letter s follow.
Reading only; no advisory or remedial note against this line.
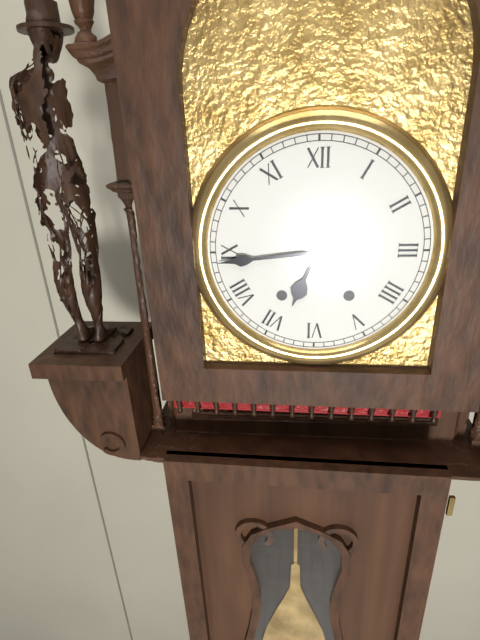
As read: 6h44
